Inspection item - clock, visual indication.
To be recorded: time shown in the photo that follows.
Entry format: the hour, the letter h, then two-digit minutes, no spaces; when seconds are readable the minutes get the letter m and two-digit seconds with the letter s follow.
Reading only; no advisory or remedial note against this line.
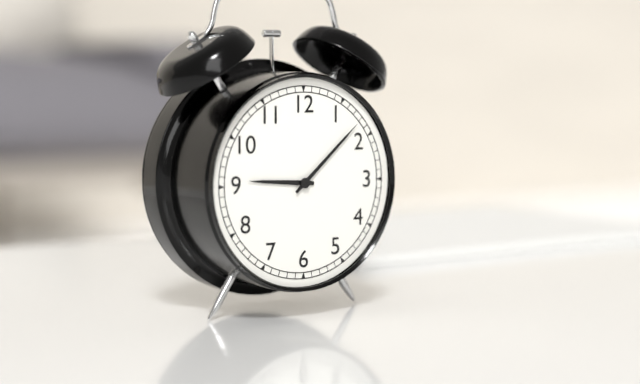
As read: 9h08
